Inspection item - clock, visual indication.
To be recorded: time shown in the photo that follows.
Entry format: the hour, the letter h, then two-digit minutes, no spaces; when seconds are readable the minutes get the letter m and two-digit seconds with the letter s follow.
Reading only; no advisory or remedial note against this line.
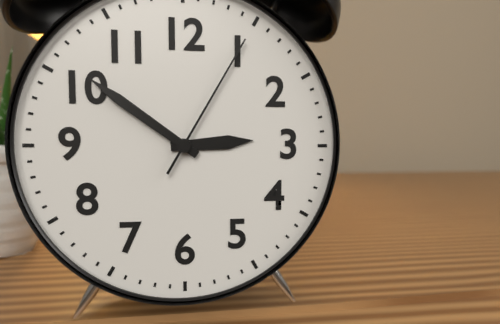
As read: 2h51m05s
